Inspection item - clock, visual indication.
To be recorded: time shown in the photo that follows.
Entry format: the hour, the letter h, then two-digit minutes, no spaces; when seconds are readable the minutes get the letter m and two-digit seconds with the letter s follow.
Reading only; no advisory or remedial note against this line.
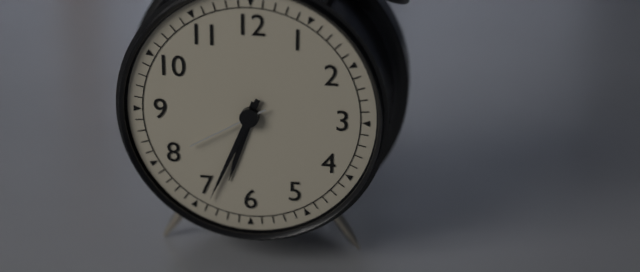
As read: 6h34m40s
